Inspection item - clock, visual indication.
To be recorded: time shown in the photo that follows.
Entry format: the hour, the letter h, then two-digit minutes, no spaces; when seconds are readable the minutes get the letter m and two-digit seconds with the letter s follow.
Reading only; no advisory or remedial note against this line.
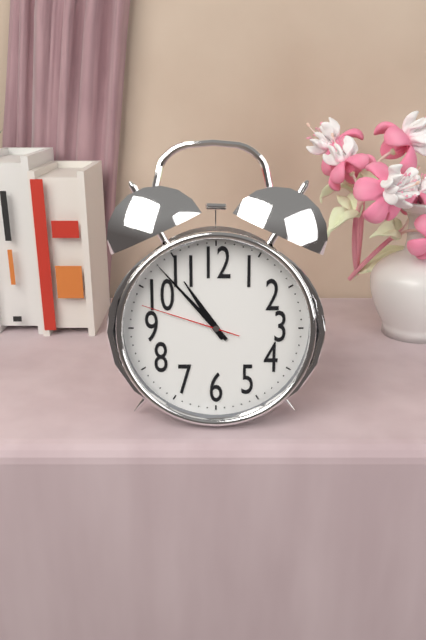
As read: 10h53m48s
